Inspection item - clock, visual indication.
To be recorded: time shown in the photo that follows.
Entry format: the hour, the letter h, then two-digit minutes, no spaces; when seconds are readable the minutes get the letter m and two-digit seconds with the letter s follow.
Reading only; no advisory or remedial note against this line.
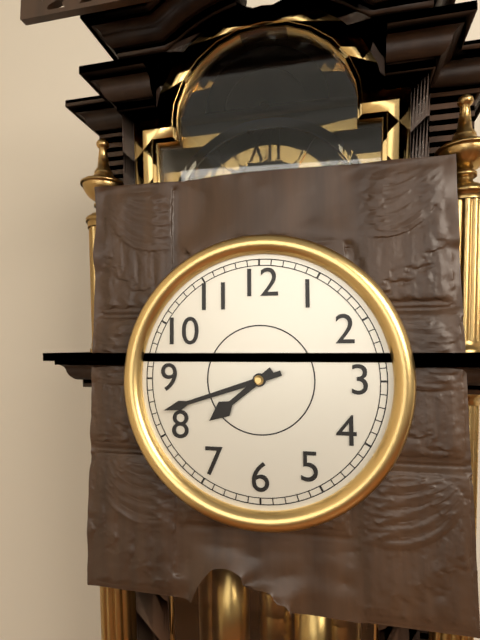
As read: 7h42
